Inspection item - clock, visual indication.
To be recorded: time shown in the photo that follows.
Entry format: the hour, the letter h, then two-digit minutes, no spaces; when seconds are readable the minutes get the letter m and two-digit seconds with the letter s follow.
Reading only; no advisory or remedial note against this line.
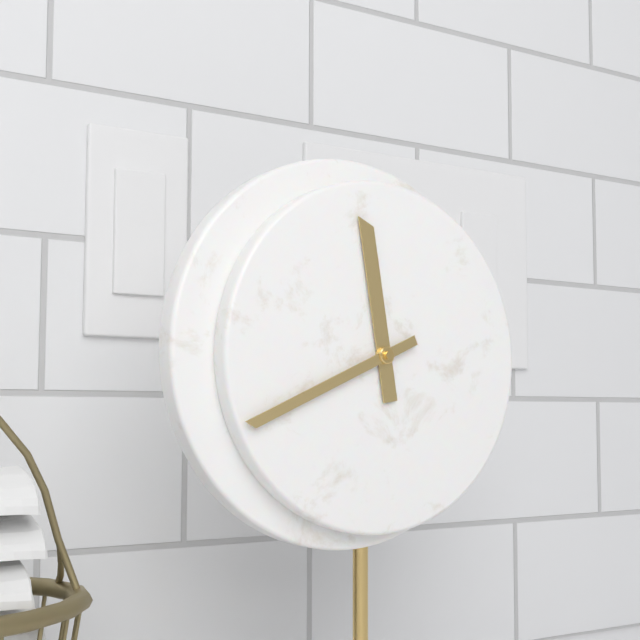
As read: 11h41
